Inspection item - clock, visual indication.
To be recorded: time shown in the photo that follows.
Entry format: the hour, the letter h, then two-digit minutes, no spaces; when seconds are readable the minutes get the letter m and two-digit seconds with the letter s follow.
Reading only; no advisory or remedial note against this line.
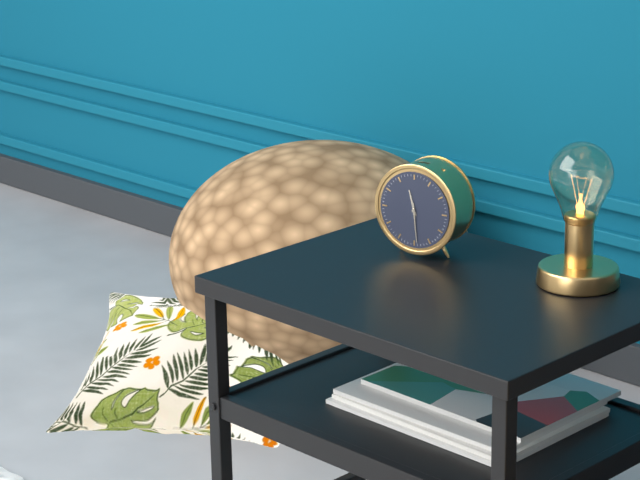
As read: 11h29
